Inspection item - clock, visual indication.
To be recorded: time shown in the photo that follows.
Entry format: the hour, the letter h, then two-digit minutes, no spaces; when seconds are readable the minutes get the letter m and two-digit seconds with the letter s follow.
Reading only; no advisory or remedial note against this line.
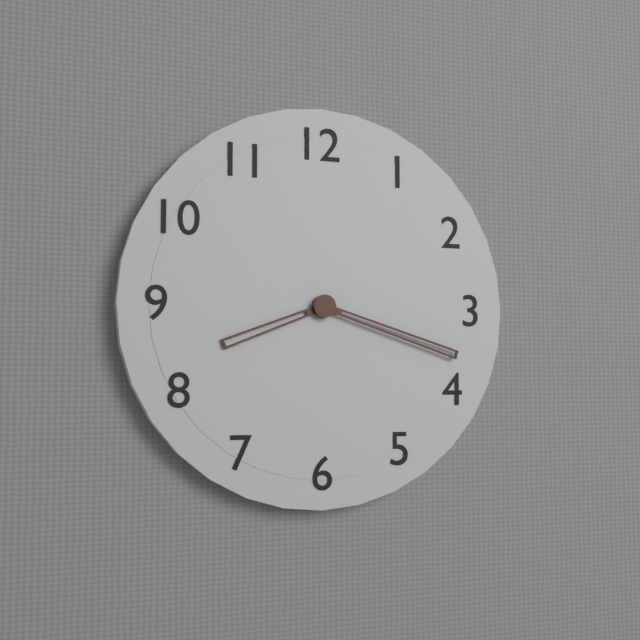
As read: 8h18
